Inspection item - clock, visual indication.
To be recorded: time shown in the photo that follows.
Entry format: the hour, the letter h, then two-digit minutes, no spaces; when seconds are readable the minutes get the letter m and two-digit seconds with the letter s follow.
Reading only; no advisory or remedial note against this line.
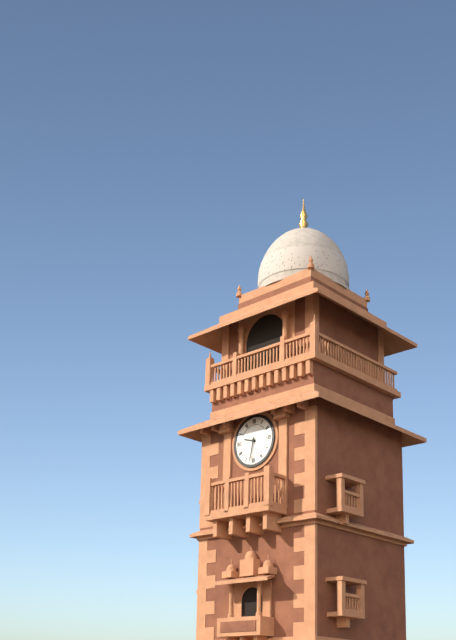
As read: 9h32
